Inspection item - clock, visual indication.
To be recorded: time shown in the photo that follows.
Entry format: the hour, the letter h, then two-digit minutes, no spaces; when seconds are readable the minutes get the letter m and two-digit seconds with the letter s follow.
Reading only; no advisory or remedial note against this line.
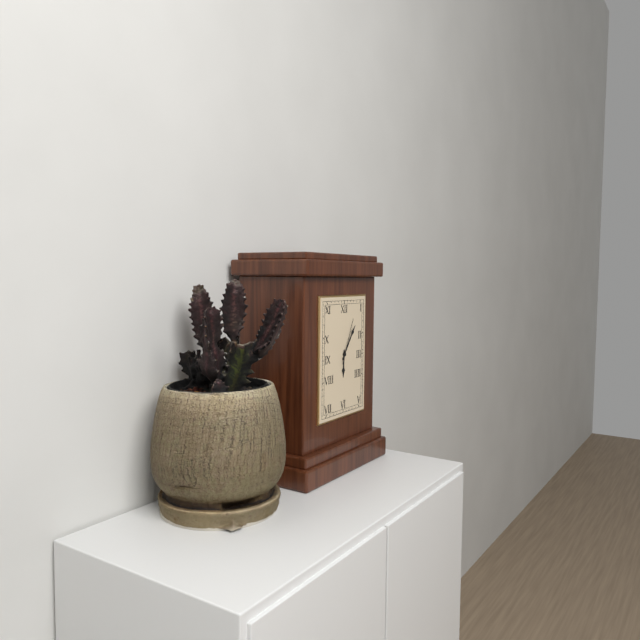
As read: 6h06m04s
